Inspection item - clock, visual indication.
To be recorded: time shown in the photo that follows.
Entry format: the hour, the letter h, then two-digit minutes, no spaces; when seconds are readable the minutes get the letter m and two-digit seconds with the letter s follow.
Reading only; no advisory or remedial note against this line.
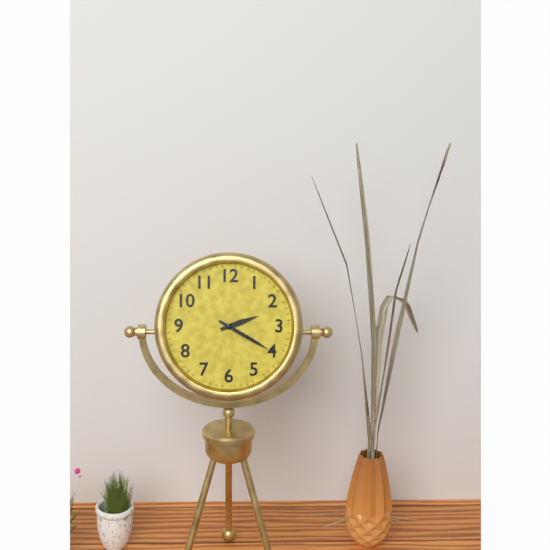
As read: 2h20
